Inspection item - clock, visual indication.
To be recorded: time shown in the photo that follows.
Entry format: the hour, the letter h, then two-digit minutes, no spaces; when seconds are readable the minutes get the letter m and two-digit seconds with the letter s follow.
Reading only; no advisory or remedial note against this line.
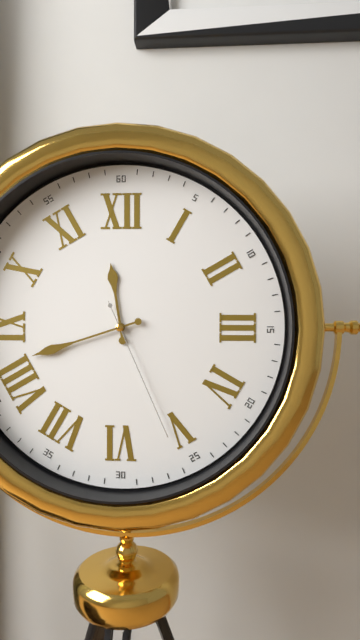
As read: 11h42m26s
